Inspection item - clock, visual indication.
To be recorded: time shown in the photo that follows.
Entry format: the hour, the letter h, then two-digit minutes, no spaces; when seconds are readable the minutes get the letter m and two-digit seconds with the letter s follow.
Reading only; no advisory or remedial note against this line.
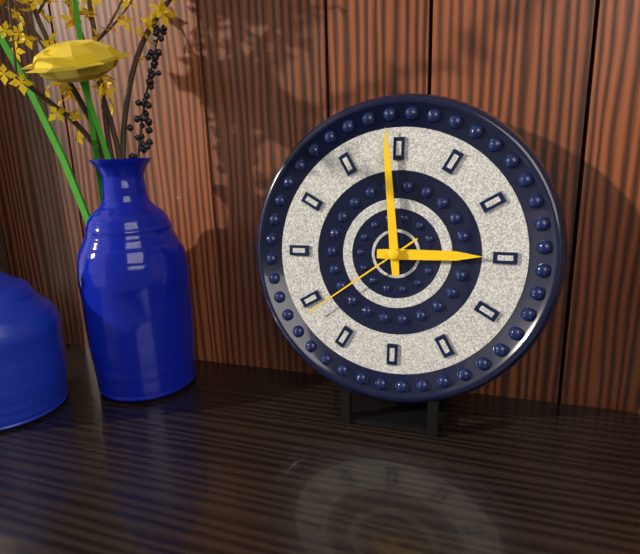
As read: 2h59m39s
